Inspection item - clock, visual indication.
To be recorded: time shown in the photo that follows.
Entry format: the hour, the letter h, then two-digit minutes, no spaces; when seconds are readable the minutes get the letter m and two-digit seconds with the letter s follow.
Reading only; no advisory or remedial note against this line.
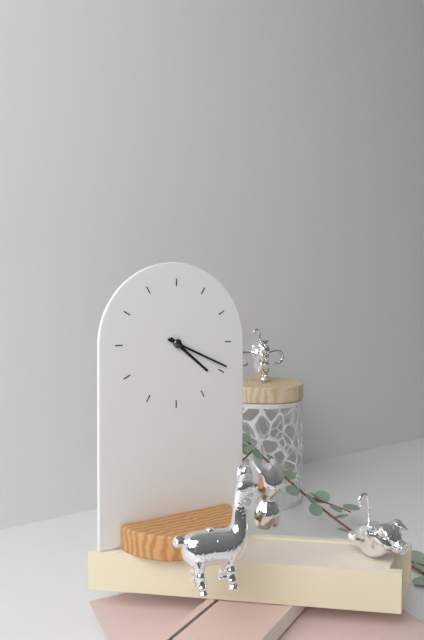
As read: 4h19
